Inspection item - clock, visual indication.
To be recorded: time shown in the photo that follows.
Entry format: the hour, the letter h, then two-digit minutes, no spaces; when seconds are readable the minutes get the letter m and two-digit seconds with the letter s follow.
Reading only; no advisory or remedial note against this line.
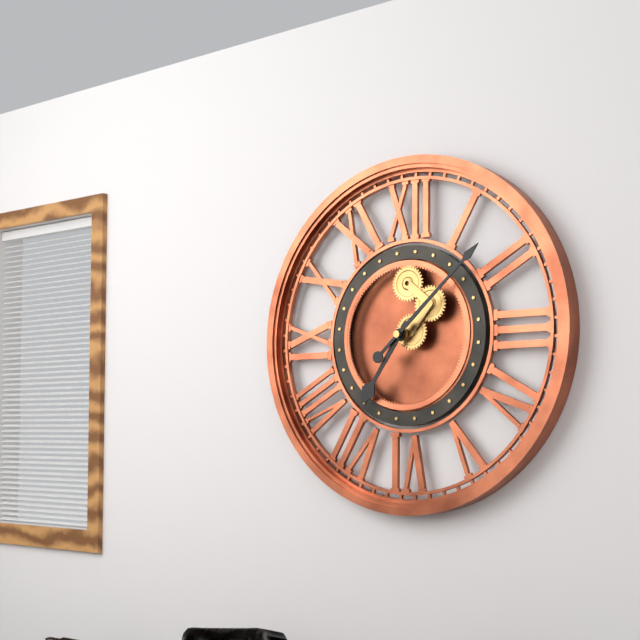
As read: 7h08
